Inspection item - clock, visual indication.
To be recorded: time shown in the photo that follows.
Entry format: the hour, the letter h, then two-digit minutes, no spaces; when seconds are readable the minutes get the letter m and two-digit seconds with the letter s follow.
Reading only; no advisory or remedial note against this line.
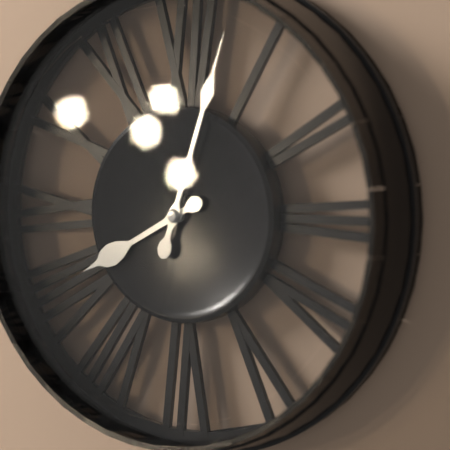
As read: 8h03
